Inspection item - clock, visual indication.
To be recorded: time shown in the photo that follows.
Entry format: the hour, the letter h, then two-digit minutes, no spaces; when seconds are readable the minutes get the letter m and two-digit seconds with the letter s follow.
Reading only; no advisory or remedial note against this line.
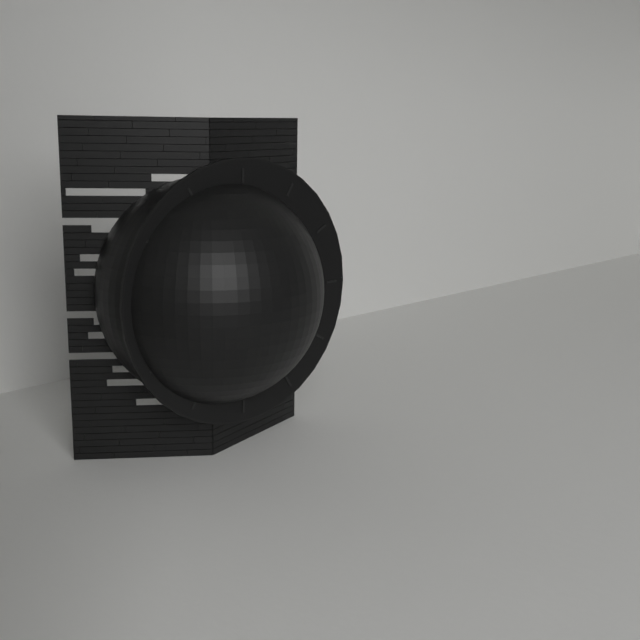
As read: 3h15
